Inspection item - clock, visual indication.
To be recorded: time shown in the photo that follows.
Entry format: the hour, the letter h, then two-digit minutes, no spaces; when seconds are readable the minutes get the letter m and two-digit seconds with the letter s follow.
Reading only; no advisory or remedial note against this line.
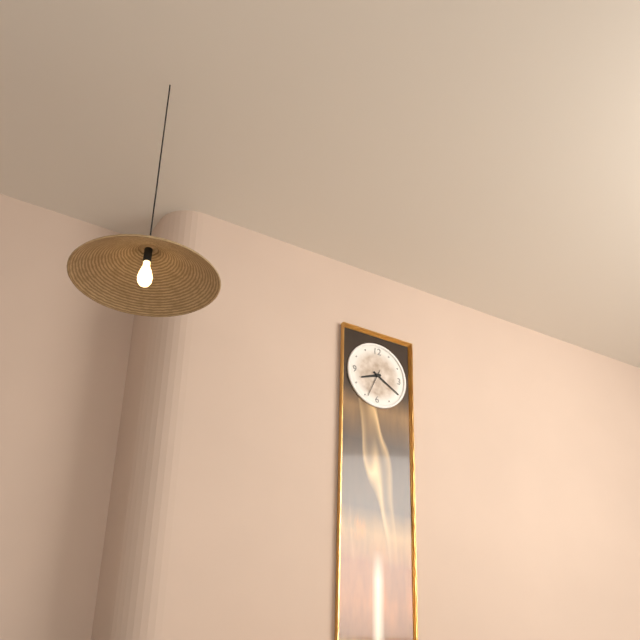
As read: 8h20
